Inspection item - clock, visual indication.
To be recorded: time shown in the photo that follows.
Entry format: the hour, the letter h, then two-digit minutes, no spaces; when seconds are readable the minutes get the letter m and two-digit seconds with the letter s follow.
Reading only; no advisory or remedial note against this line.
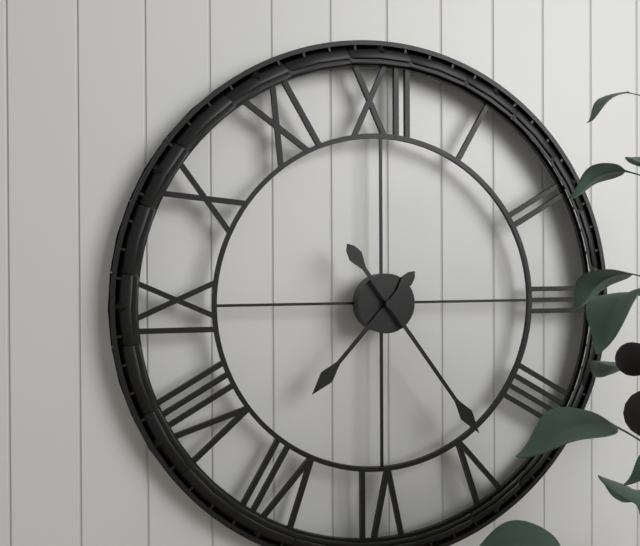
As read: 7h24
